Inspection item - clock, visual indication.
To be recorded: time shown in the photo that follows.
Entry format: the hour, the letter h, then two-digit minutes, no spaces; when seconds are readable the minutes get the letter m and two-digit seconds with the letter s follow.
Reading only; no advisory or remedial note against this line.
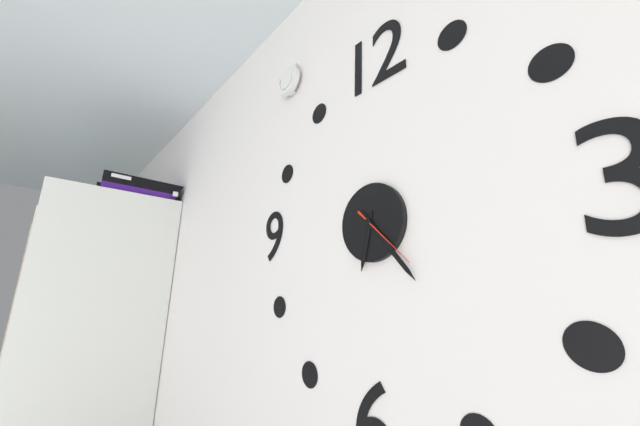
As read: 6h23m22s
